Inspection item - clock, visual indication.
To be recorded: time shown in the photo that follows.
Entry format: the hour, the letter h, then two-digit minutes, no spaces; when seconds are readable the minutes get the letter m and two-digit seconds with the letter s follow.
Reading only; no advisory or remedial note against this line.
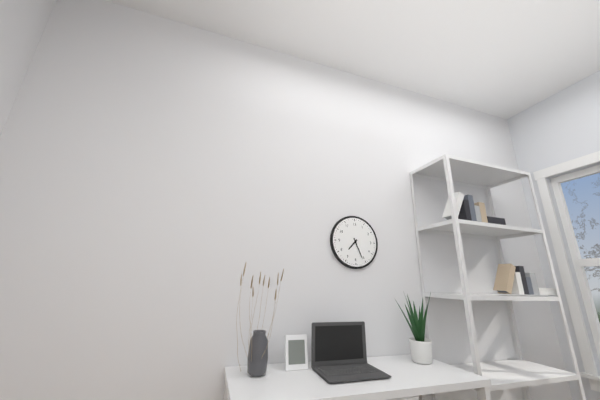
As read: 7h26
